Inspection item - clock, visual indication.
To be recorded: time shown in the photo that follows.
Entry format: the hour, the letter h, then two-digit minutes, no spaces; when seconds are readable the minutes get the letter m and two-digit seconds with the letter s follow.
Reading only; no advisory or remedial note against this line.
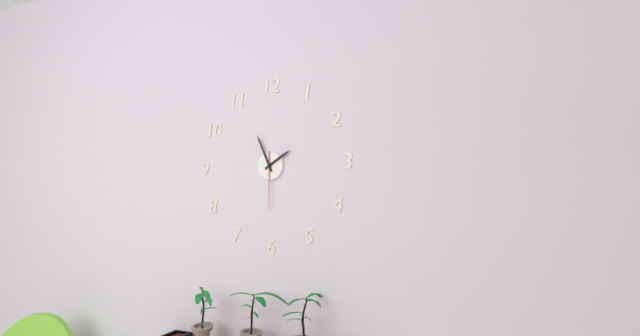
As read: 1h56m30s
